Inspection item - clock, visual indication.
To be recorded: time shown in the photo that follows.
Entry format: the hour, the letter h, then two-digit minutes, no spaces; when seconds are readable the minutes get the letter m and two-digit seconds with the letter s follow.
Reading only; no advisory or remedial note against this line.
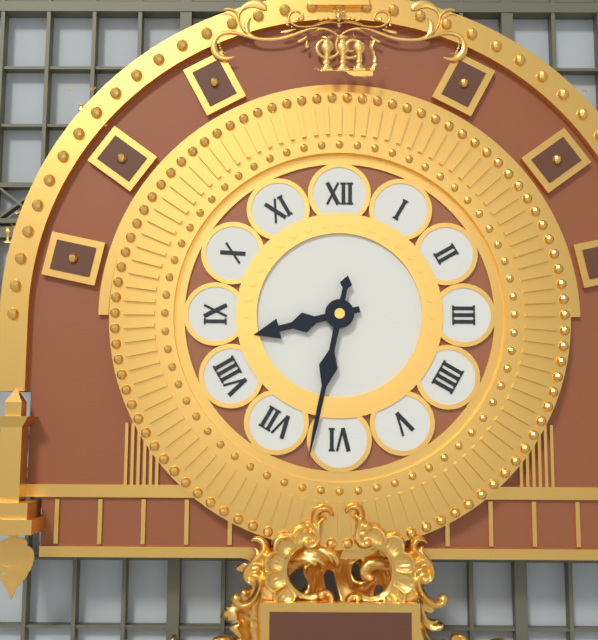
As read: 8h32
